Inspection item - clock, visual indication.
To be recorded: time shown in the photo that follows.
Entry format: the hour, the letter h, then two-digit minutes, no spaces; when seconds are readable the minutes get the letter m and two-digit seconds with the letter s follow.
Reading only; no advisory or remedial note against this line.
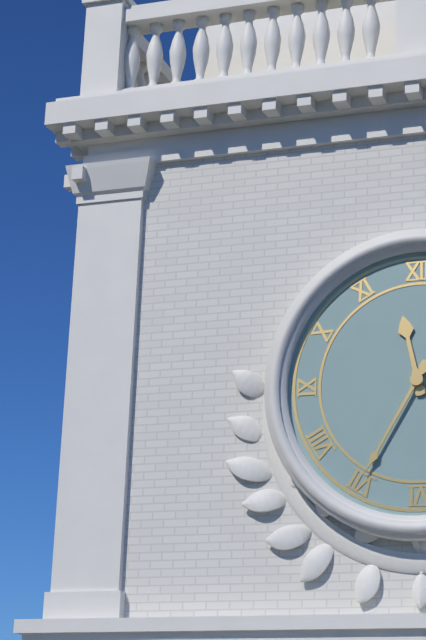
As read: 11h35
